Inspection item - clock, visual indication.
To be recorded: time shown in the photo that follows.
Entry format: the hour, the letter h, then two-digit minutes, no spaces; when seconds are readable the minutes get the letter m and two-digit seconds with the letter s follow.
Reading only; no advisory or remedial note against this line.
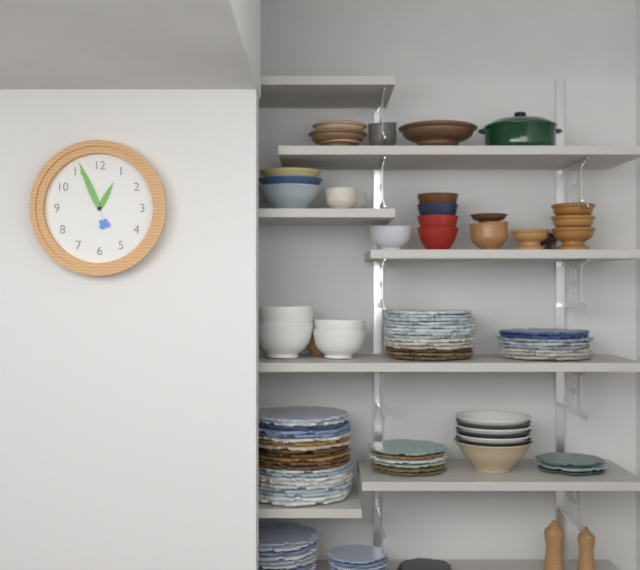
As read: 12h56
